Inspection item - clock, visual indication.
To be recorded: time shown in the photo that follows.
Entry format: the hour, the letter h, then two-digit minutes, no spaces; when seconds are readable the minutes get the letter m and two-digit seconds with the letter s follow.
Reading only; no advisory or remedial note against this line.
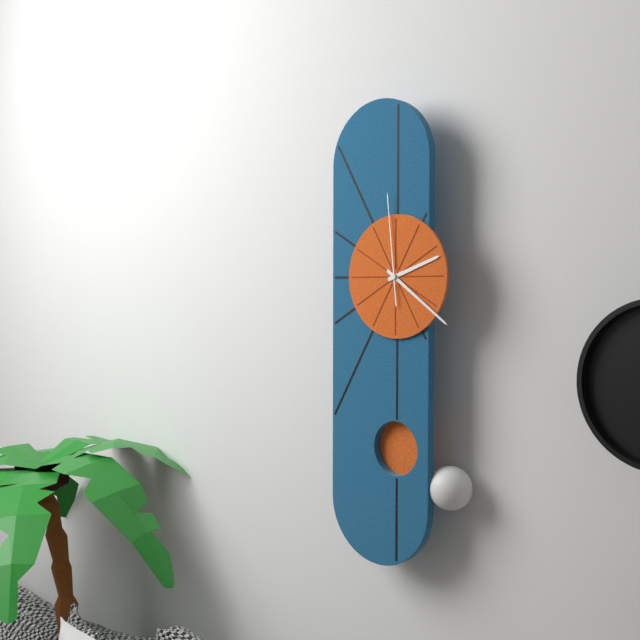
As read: 2h21m59s
